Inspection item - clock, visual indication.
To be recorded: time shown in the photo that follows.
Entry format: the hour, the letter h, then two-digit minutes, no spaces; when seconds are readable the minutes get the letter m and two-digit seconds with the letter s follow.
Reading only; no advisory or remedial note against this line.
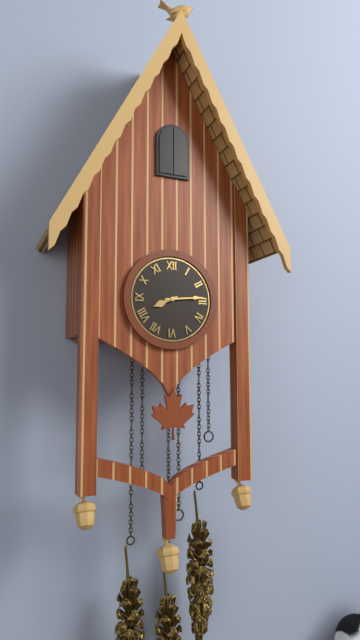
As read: 8h14
